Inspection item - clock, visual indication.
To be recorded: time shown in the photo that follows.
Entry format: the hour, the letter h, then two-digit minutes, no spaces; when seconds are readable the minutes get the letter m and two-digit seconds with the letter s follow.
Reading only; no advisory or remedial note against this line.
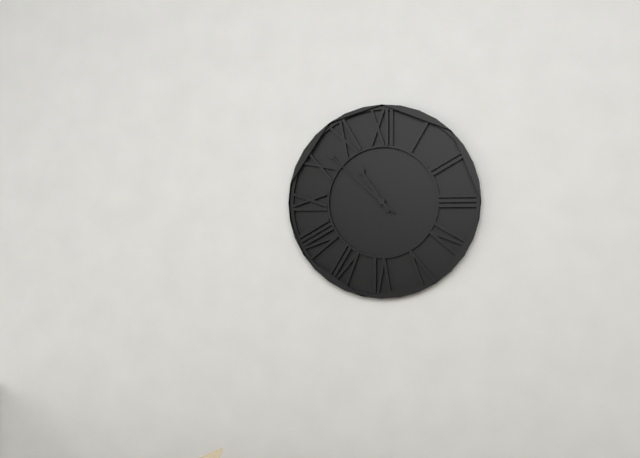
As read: 10h52
